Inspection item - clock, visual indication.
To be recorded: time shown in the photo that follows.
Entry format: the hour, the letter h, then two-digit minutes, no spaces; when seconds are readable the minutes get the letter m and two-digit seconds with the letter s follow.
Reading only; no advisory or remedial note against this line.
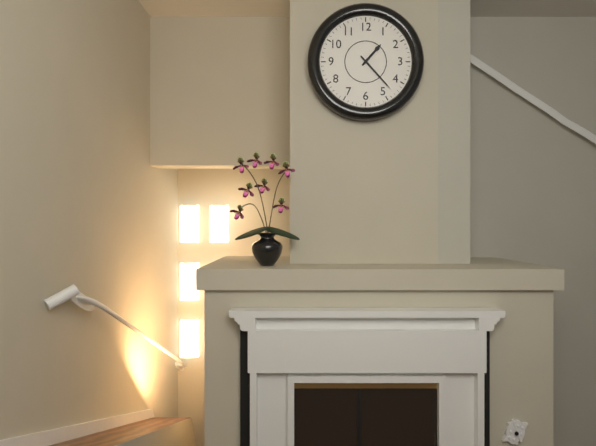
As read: 1h23
